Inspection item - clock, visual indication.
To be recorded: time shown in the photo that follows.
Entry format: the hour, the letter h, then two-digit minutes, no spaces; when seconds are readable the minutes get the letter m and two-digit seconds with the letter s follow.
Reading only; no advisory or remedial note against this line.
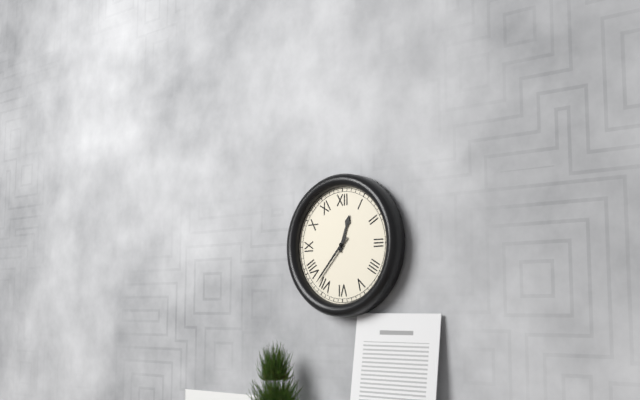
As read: 12h37
